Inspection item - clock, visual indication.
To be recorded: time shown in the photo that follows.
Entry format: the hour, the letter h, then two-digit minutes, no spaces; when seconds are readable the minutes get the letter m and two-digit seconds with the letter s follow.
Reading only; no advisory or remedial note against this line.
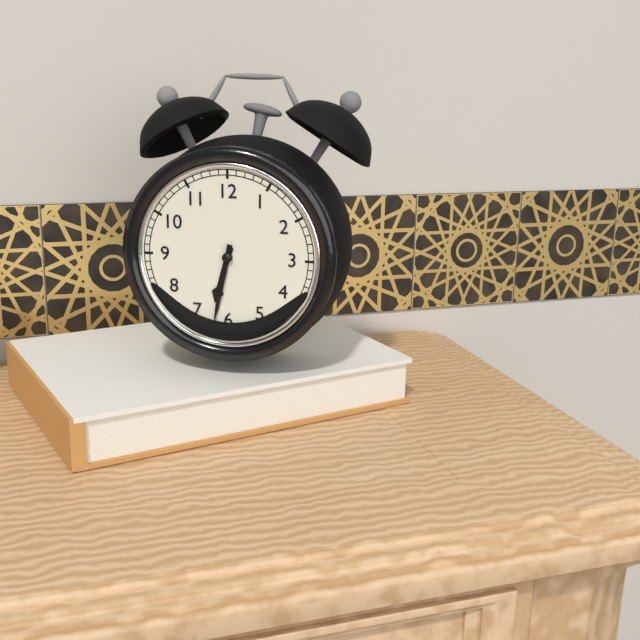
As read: 6h32
